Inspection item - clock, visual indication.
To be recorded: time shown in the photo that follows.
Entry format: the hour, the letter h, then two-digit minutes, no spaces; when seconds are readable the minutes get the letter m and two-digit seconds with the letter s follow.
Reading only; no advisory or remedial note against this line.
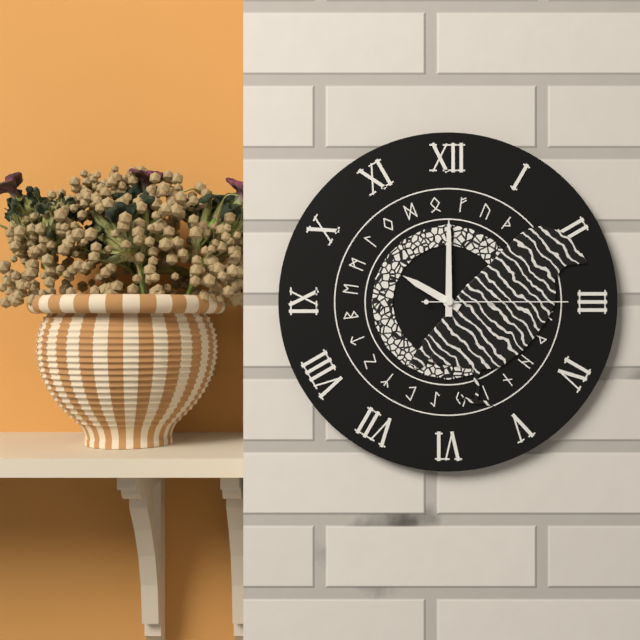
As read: 10h00m15s
